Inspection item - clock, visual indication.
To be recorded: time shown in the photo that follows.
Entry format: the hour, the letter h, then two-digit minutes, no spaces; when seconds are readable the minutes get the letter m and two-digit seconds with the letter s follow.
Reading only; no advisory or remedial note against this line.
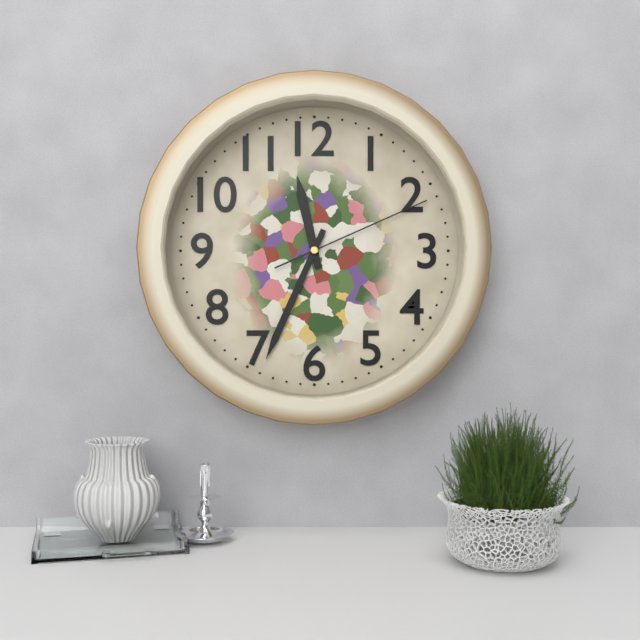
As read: 11h34m11s
